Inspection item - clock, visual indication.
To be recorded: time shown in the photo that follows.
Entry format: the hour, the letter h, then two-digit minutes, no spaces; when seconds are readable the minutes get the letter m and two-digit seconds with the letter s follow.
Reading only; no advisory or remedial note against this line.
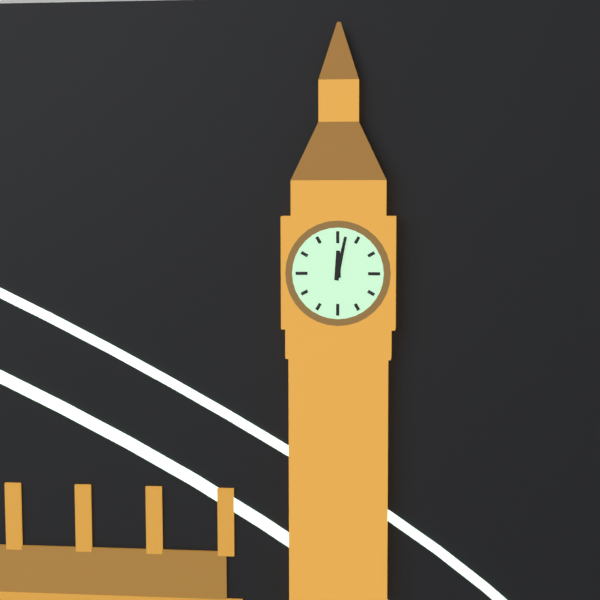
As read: 12h02
